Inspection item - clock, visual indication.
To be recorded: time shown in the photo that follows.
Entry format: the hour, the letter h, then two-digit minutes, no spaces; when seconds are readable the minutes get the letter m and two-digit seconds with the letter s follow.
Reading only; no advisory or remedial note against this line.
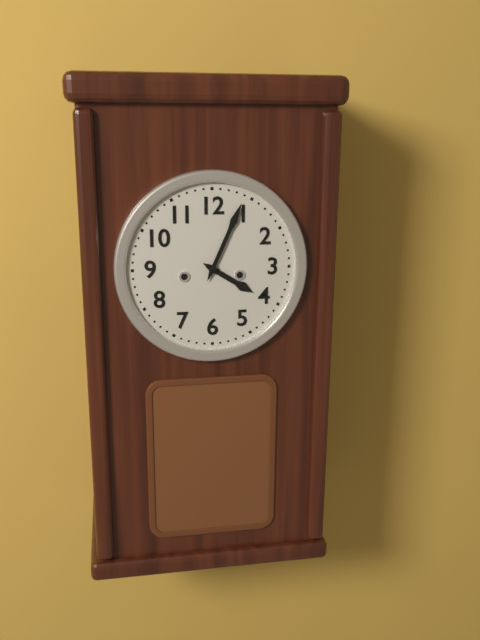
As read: 4h04
